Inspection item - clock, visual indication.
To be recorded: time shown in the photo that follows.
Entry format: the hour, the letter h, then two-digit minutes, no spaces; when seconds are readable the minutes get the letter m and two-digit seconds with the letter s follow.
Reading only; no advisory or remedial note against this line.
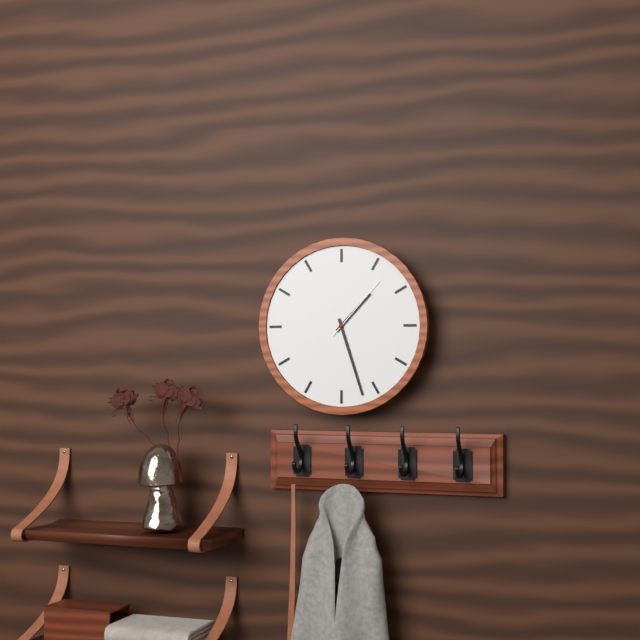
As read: 1h27m07s
